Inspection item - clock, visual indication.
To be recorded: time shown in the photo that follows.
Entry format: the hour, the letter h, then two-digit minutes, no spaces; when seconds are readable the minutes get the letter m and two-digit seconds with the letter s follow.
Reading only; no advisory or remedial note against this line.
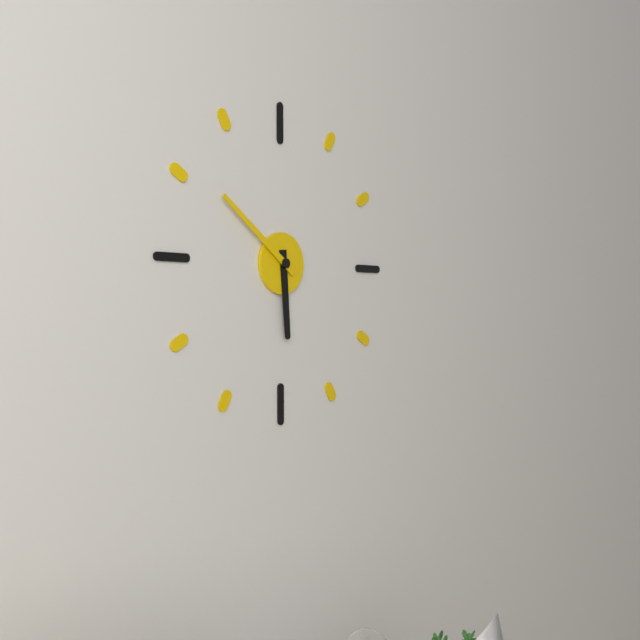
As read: 5h51
